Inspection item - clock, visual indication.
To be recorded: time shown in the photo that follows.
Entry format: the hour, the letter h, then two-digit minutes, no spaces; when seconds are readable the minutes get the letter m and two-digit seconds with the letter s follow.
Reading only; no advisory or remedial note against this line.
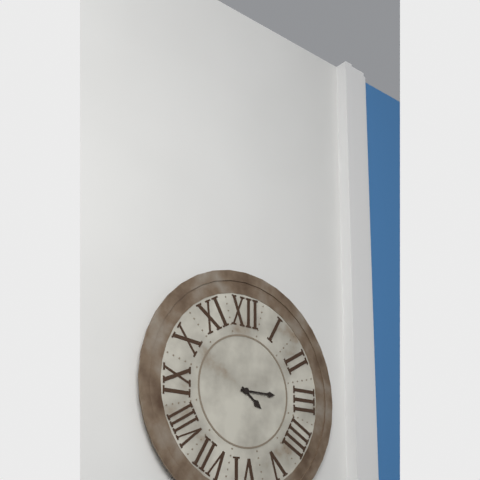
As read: 4h15
